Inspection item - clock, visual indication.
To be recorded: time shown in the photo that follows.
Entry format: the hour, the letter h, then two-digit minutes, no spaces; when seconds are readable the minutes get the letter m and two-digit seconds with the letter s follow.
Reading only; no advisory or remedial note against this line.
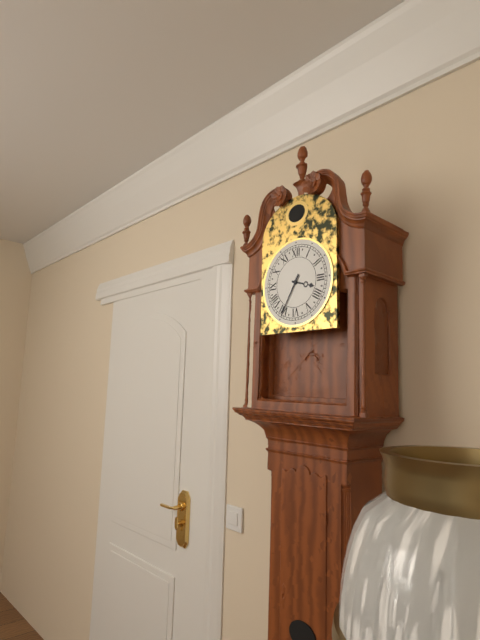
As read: 3h35
